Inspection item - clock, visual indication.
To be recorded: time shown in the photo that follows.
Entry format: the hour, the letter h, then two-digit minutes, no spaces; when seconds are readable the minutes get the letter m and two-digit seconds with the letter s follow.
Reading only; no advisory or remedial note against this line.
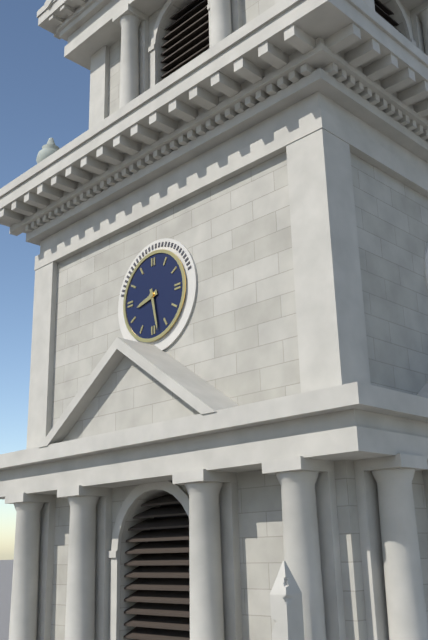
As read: 8h28
